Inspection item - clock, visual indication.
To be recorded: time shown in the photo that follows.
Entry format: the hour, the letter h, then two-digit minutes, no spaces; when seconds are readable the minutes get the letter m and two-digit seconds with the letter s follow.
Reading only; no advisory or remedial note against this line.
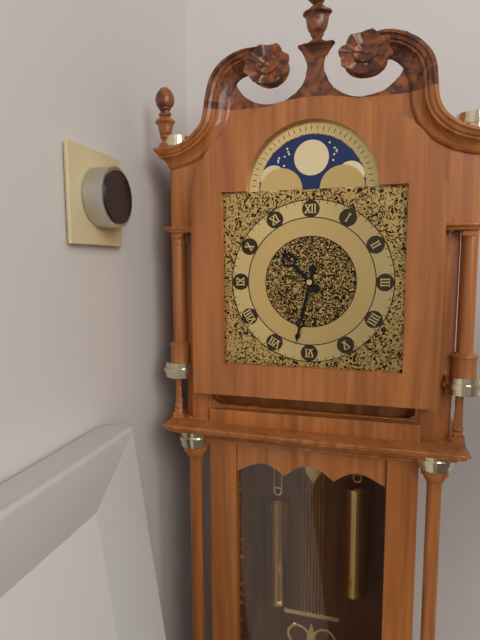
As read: 10h32
